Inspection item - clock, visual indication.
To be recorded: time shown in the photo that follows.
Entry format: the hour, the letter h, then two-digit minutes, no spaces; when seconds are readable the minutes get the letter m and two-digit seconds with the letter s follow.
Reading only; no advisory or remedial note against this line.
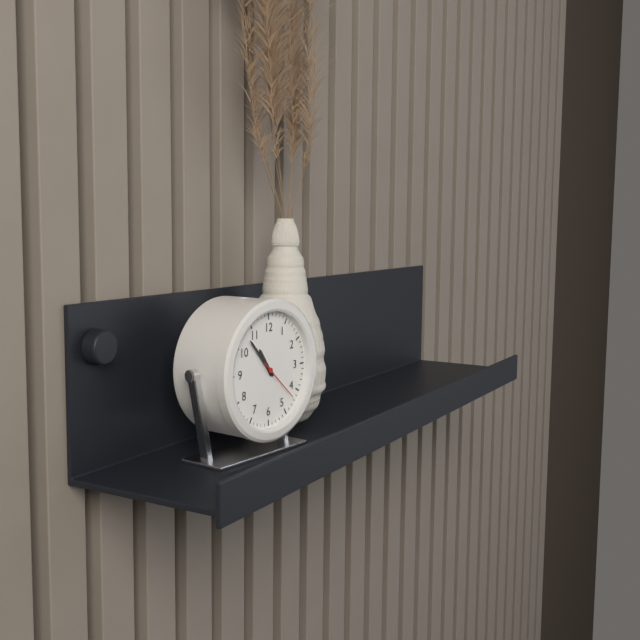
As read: 10h53
